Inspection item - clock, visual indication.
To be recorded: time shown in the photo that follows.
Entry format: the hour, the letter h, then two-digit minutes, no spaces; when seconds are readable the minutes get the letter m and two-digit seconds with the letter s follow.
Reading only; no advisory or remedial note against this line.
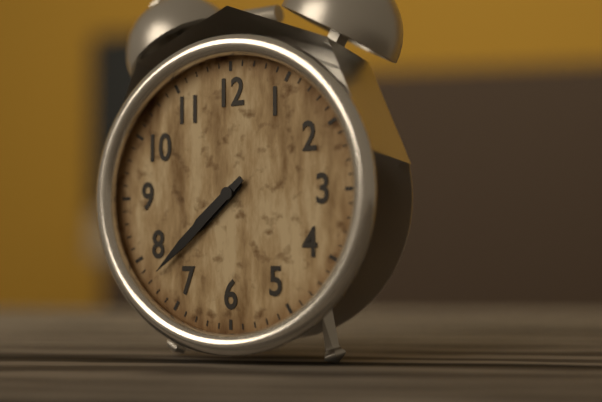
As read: 7h38
